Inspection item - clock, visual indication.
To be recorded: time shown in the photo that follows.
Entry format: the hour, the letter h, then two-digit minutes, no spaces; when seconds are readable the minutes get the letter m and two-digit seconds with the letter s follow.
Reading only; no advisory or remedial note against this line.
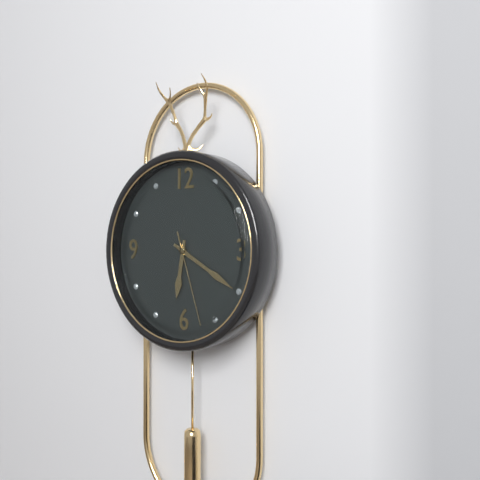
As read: 6h20m27s
